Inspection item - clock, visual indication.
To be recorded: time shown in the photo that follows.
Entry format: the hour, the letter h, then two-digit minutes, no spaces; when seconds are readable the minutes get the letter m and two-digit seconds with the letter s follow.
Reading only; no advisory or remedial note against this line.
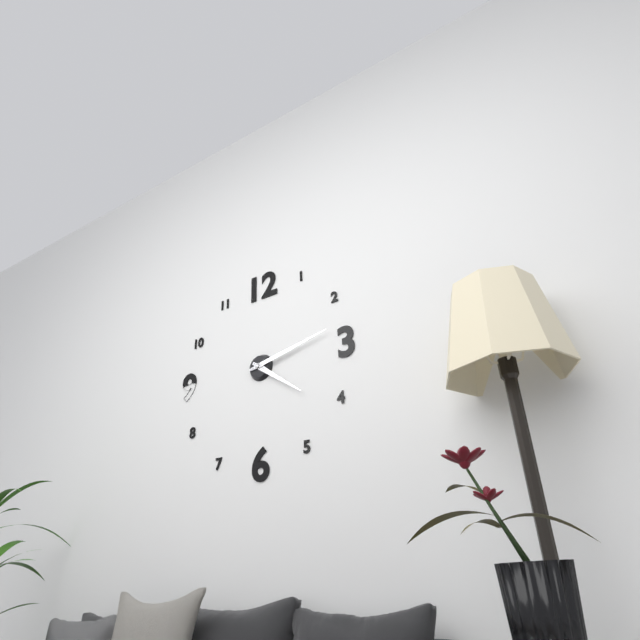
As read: 4h13
